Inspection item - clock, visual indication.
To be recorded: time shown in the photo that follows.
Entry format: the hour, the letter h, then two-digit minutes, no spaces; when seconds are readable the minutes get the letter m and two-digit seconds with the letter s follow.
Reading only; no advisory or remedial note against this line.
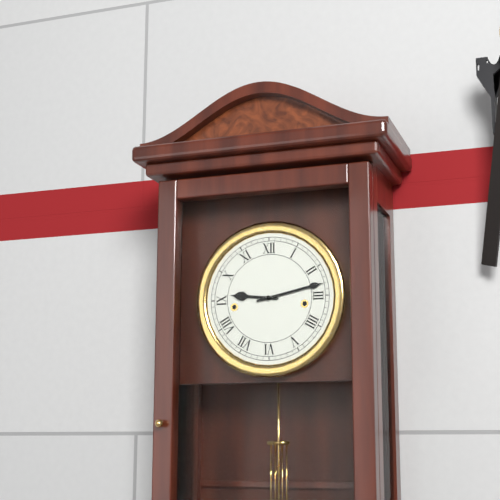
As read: 9h13
